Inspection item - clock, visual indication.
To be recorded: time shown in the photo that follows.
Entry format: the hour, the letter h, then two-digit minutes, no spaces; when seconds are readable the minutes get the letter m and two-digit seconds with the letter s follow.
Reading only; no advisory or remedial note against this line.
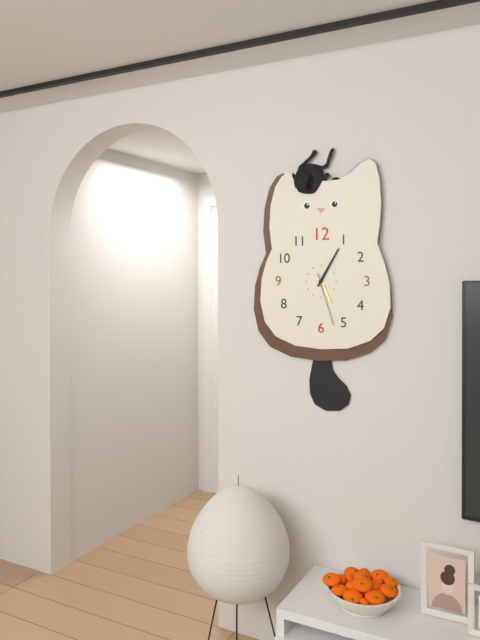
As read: 5h05m27s
